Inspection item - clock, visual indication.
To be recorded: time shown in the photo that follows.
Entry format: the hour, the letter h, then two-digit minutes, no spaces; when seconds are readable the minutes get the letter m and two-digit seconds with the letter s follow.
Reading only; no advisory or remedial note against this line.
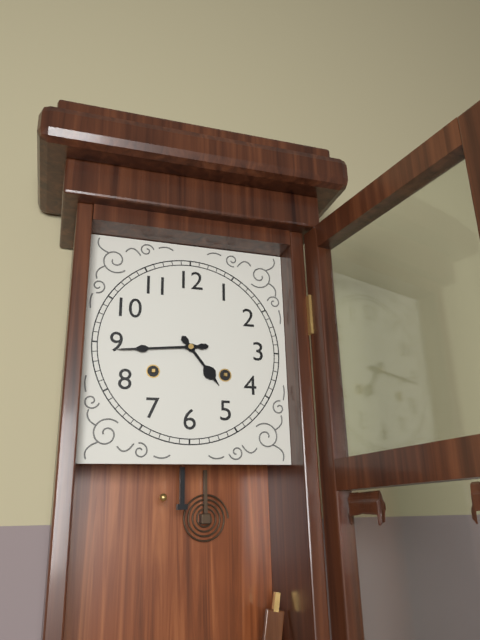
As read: 4h44
